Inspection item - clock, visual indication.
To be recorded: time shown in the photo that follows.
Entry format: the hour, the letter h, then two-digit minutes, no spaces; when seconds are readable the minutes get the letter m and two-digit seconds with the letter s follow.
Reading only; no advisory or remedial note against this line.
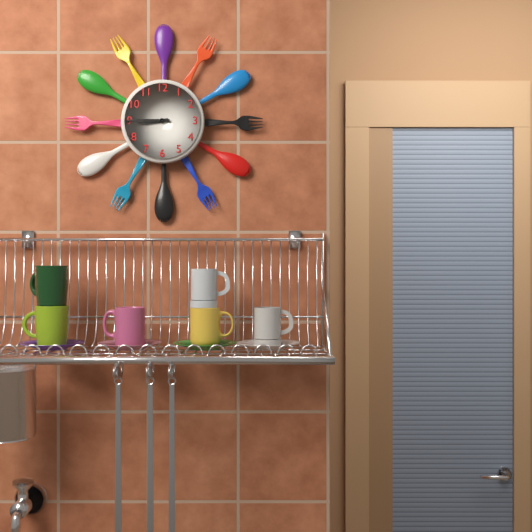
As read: 8h45
